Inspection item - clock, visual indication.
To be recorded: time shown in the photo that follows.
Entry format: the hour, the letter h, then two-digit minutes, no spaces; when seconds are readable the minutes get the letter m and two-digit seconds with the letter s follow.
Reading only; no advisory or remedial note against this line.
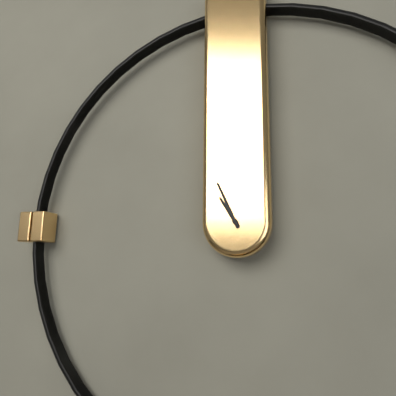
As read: 10h56
